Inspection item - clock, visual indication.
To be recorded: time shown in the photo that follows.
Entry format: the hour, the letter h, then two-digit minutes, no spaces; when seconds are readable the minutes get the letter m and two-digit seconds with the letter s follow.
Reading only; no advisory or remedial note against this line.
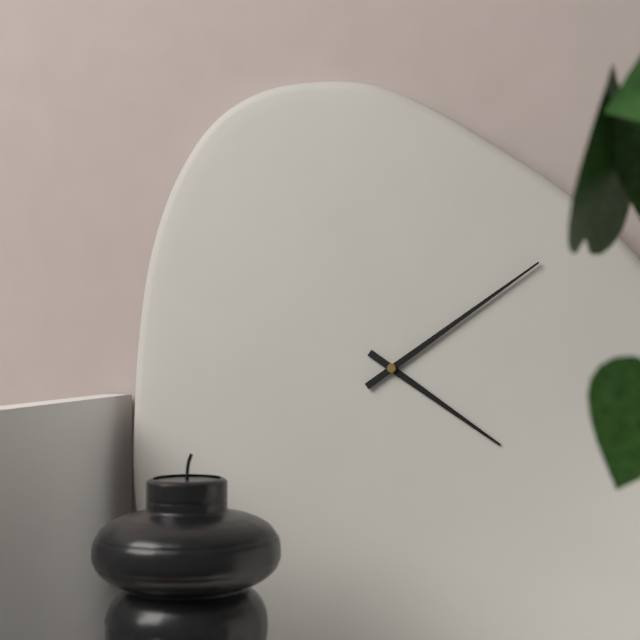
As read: 4h09
